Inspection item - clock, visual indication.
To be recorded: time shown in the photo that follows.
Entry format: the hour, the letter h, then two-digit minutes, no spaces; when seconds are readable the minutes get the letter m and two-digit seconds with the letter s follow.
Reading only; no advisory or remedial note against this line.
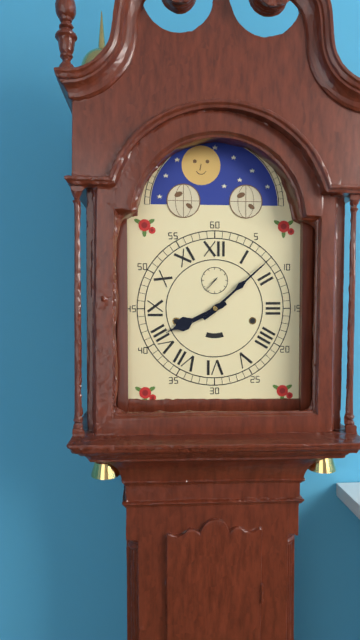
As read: 8h08
